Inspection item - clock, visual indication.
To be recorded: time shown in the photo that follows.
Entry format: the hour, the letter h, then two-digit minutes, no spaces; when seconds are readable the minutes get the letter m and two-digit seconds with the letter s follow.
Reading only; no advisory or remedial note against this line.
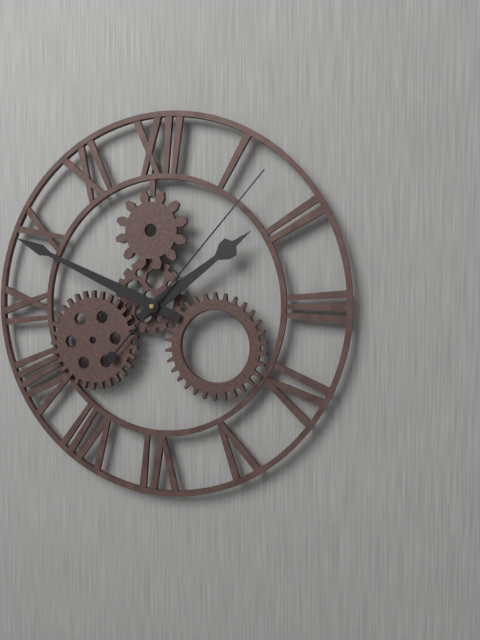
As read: 1h49m07s
